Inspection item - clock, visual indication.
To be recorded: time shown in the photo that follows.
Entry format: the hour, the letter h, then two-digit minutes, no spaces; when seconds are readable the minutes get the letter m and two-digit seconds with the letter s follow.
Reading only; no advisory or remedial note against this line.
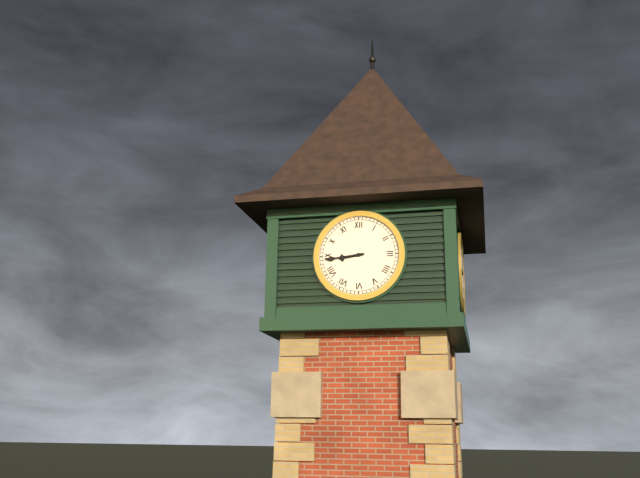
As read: 8h44
